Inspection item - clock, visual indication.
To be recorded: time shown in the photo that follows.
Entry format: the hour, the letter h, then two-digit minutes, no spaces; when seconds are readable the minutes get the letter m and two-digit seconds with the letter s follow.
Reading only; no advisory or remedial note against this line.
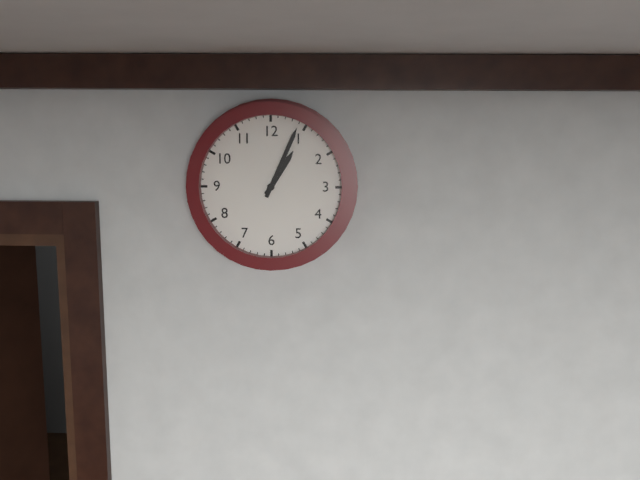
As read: 1h04
